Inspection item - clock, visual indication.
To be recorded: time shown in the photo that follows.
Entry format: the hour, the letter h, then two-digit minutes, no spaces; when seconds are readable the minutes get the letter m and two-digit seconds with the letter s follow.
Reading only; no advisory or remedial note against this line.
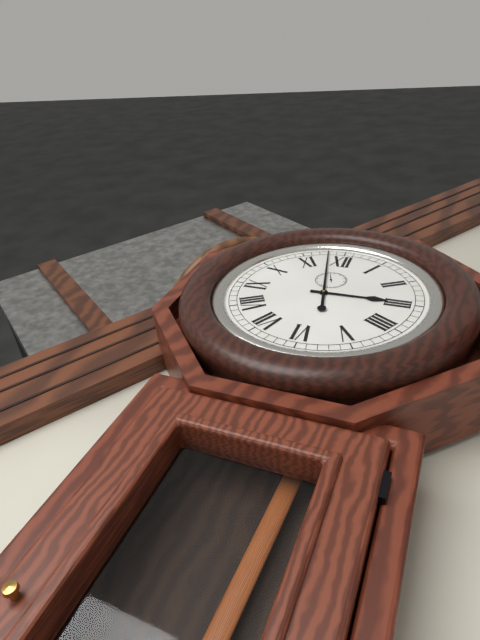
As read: 2h58
